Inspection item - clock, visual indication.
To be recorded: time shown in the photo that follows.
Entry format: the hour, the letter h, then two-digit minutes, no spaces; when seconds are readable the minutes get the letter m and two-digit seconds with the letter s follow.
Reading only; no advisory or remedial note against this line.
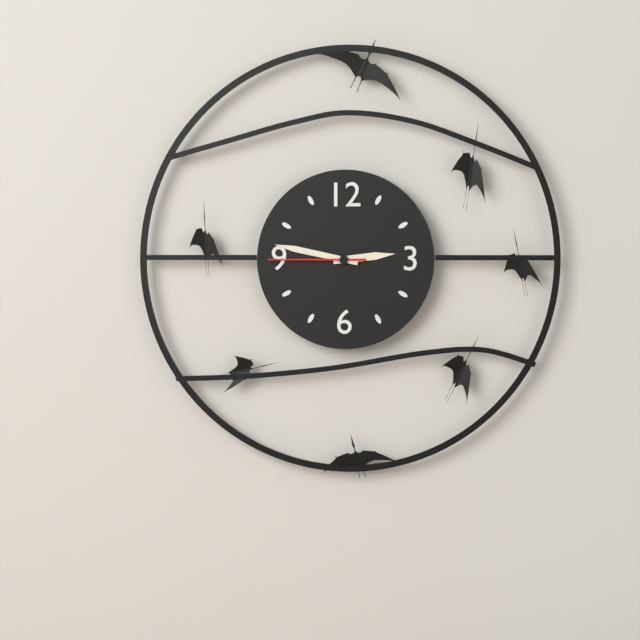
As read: 2h47m45s
